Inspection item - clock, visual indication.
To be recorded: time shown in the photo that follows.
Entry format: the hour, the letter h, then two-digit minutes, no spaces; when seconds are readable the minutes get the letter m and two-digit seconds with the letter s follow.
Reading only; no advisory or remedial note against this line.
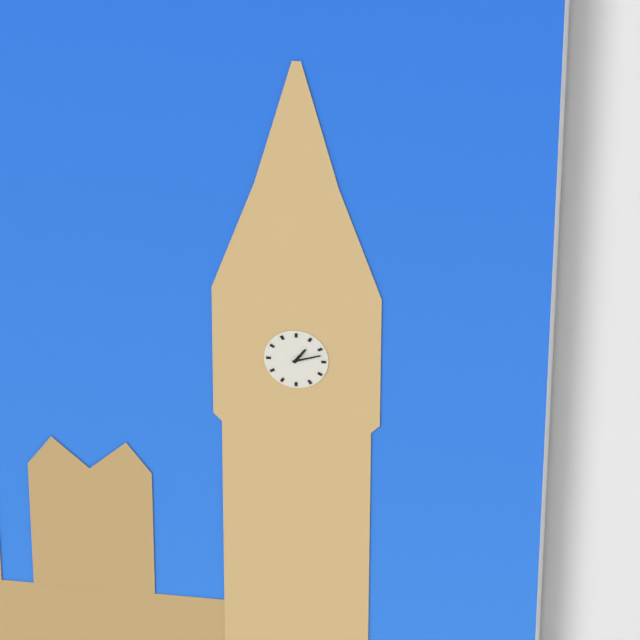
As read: 1h12
